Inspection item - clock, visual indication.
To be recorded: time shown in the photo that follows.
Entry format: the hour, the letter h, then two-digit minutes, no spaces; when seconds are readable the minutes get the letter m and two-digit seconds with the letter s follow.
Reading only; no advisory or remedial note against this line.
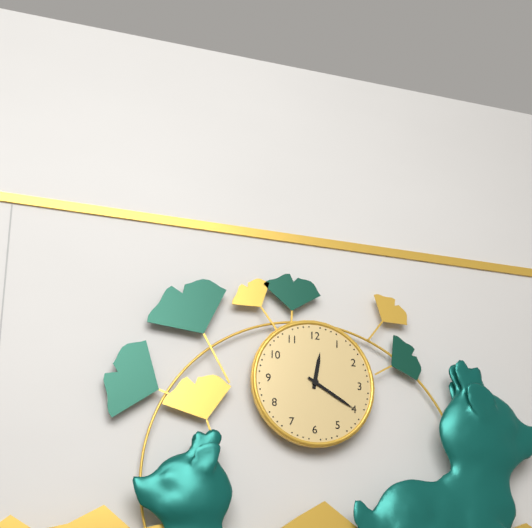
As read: 12h20
